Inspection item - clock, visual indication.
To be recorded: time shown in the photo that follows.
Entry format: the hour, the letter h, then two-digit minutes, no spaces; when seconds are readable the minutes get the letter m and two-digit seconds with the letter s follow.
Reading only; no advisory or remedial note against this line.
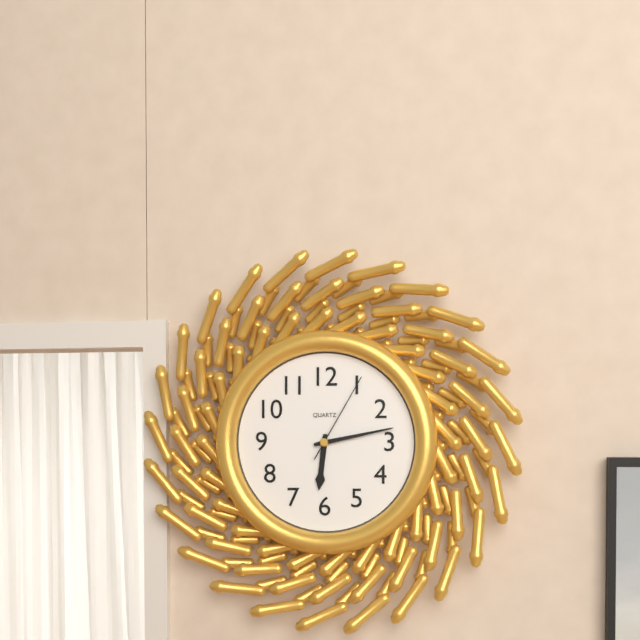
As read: 6h13m05s
